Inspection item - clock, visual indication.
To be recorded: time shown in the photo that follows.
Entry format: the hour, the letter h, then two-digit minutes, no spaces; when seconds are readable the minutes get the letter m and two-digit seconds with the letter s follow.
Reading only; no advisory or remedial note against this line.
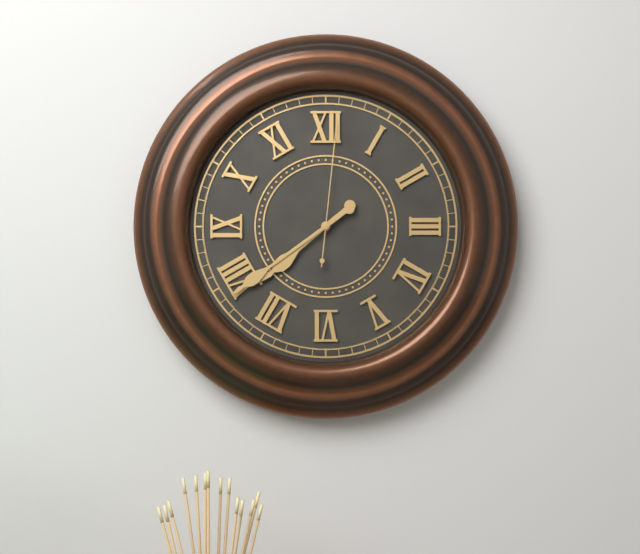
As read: 7h39m01s
